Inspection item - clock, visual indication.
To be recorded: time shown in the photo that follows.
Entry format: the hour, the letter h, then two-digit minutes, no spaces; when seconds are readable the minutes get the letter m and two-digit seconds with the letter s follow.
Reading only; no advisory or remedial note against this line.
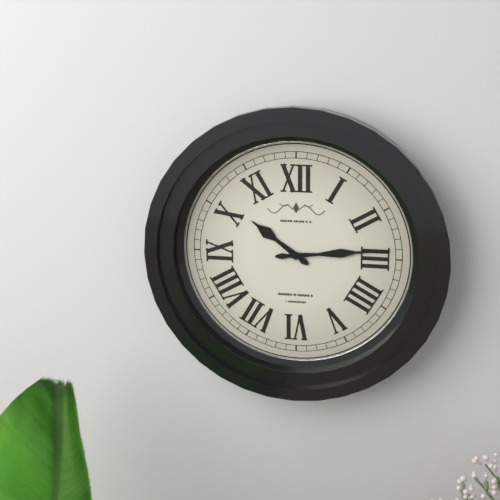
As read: 10h14
